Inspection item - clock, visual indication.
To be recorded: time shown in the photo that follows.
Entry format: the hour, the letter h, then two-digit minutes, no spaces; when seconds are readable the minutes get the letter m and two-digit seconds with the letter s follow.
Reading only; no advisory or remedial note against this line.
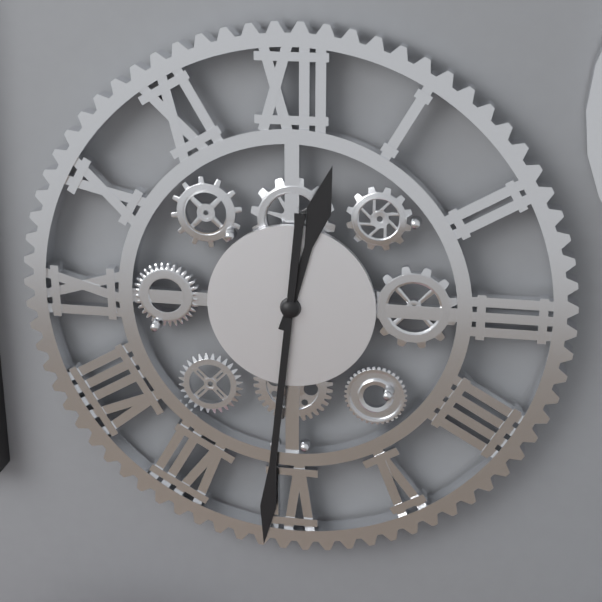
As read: 12h31
